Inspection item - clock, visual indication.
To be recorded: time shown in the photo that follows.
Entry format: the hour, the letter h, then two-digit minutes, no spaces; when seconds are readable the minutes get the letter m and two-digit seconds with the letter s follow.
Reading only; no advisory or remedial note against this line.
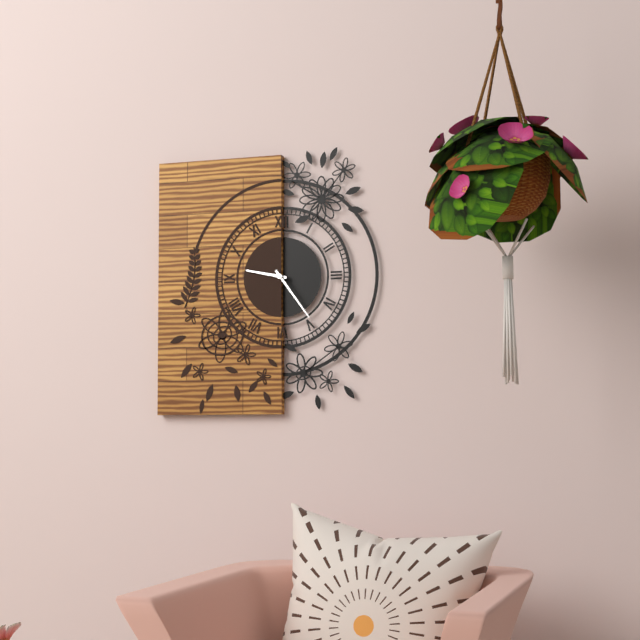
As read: 9h24
